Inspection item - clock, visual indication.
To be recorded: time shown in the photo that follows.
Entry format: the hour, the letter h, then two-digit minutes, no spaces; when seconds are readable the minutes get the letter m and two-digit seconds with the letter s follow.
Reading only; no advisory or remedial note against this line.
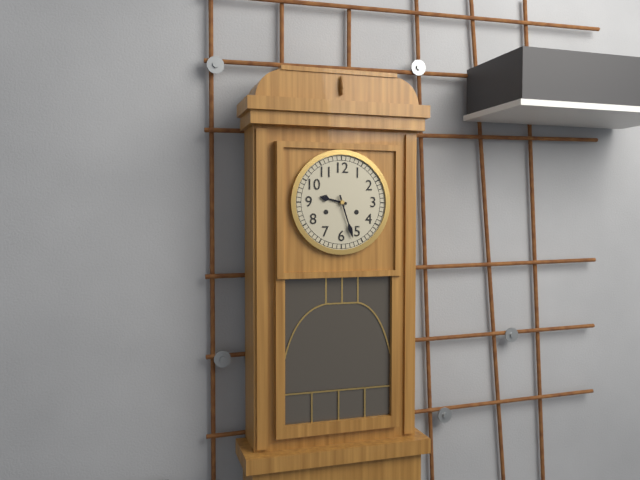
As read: 9h27
